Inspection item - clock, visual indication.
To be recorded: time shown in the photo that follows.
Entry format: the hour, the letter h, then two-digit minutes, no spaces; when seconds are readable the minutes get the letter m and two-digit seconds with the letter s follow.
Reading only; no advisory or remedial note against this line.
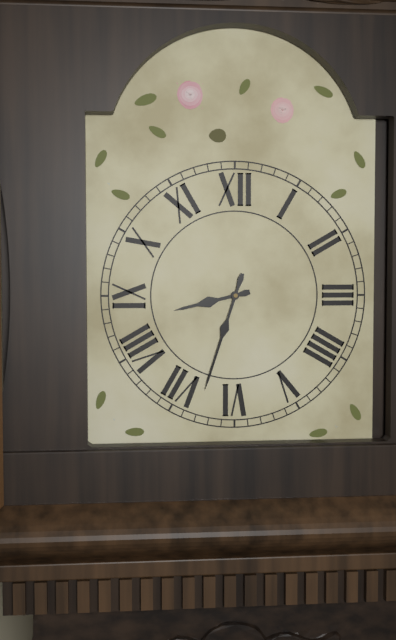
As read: 8h33
